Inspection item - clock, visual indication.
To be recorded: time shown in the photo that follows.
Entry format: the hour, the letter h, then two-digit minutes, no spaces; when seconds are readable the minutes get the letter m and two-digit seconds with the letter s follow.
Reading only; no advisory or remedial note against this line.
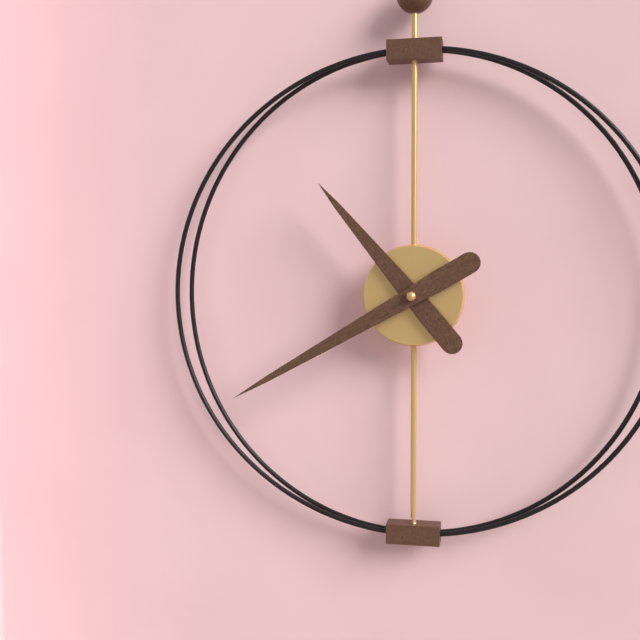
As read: 10h40
